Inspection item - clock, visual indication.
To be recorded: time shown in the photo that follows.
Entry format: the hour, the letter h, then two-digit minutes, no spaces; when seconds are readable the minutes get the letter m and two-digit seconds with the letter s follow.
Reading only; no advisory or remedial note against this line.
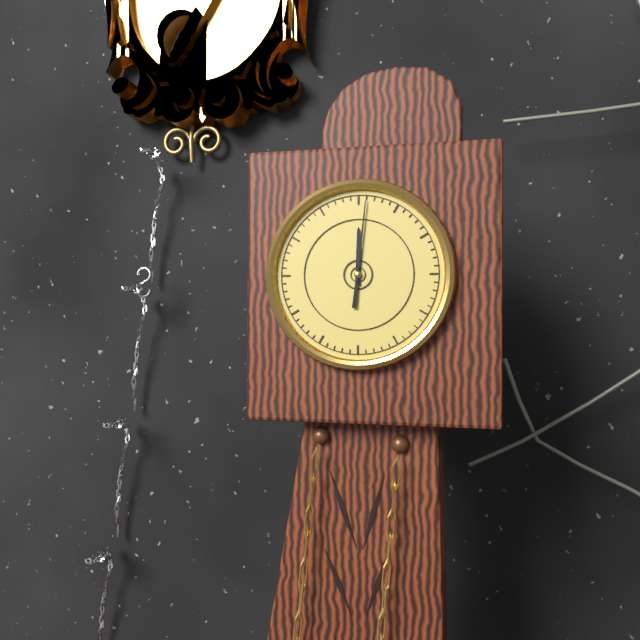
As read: 12h01
